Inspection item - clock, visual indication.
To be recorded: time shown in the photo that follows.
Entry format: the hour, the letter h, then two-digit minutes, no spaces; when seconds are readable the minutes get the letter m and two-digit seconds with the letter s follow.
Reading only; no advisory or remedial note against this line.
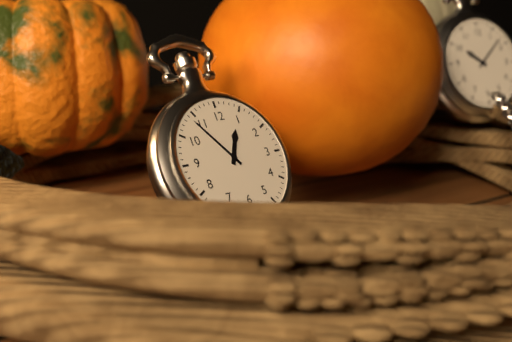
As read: 12h54
